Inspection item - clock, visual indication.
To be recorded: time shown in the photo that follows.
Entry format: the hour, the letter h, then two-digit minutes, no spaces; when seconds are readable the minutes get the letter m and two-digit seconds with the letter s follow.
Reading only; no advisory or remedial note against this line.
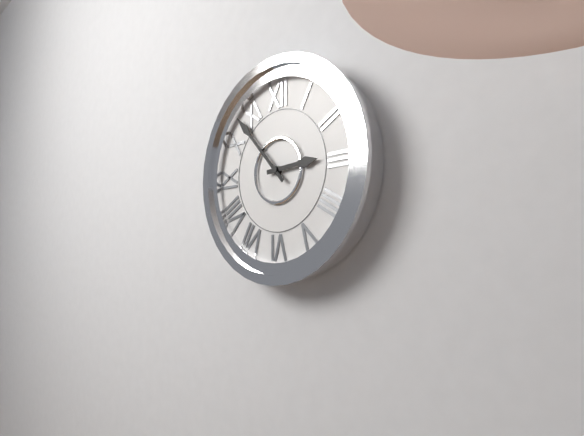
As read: 2h53
